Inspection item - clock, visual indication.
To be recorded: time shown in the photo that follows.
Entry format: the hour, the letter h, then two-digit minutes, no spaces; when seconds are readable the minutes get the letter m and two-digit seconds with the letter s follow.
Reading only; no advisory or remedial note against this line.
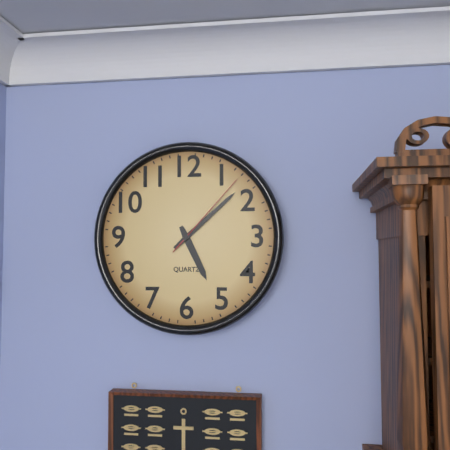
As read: 5h08m07s
